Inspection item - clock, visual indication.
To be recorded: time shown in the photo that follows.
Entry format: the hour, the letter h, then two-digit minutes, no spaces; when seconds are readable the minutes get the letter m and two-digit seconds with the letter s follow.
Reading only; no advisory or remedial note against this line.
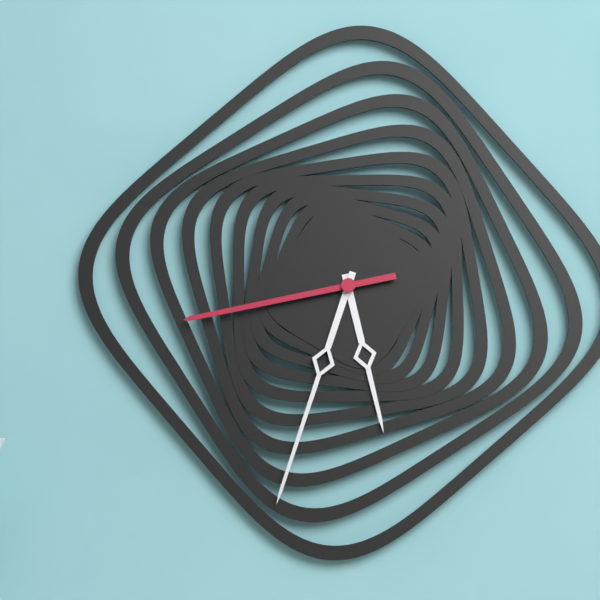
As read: 5h33m43s
